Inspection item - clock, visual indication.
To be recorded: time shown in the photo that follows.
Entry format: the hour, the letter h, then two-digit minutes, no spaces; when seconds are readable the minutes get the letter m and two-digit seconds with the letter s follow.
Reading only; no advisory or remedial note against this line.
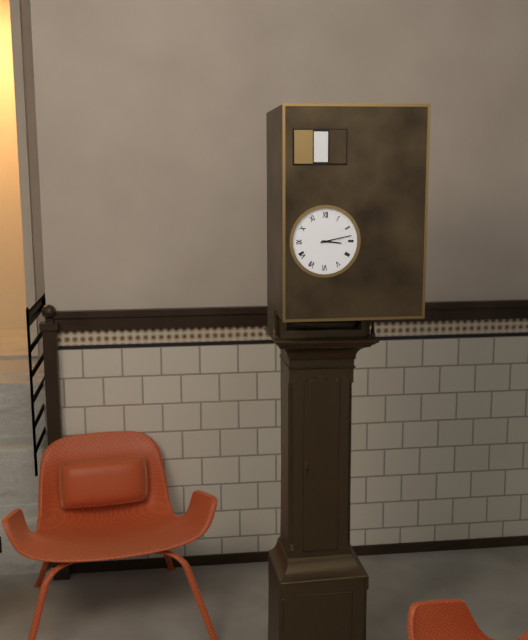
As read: 3h13
